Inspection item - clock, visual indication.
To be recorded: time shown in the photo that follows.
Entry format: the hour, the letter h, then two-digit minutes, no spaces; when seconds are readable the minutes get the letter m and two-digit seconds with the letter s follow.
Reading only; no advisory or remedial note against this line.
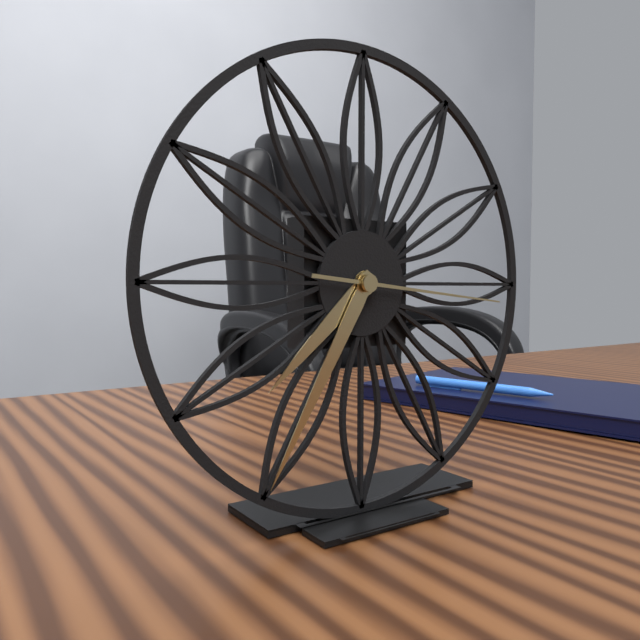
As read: 7h35m16s
